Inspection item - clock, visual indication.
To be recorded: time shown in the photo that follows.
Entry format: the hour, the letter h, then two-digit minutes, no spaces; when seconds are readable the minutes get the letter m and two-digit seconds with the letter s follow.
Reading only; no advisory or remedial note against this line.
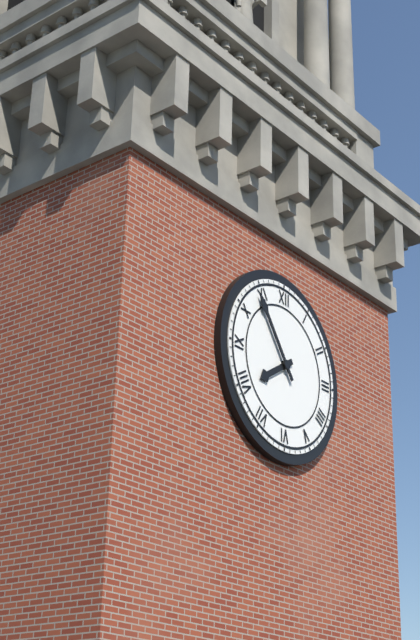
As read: 7h54
